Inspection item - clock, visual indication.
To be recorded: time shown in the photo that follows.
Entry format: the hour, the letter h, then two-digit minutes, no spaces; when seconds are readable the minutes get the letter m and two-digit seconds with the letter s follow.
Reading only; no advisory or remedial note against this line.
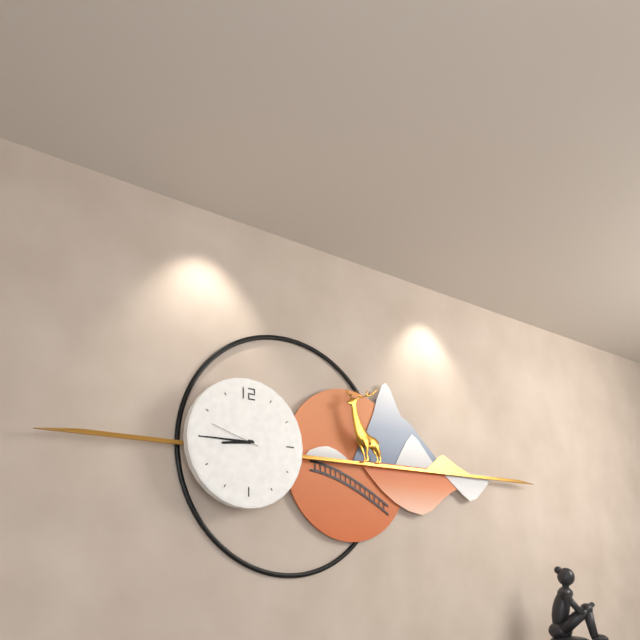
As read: 8h45m48s
